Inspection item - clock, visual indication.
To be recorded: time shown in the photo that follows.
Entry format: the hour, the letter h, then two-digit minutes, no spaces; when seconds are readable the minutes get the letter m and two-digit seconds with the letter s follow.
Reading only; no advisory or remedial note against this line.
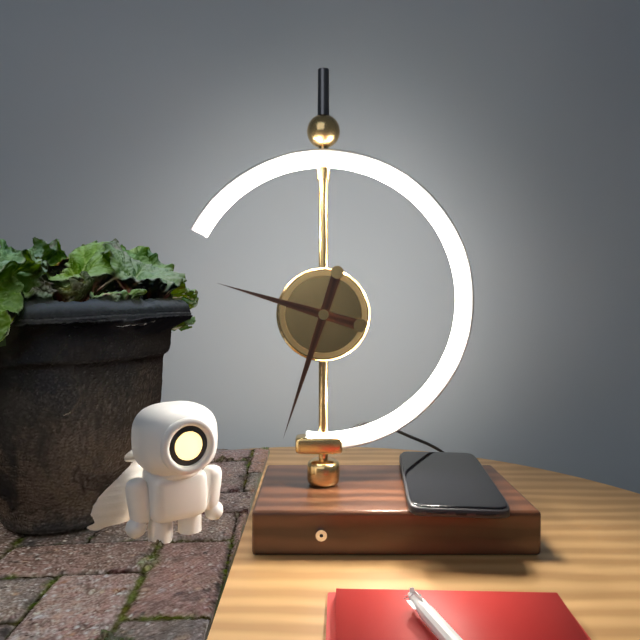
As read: 9h33
